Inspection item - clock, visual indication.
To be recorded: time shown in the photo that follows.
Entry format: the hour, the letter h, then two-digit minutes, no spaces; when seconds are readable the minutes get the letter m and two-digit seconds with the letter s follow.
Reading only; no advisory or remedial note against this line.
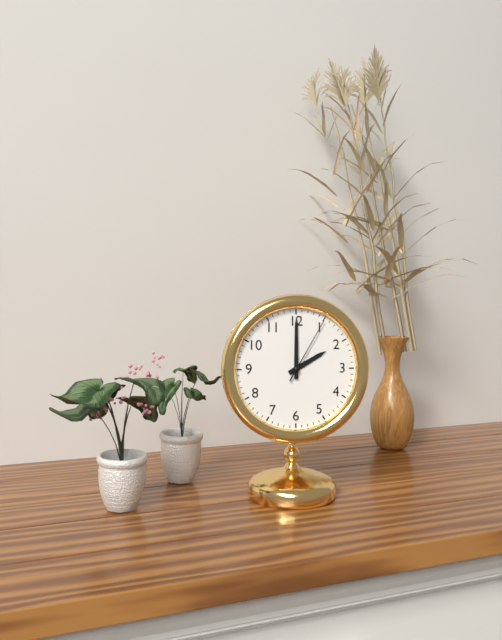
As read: 2h00m05s
